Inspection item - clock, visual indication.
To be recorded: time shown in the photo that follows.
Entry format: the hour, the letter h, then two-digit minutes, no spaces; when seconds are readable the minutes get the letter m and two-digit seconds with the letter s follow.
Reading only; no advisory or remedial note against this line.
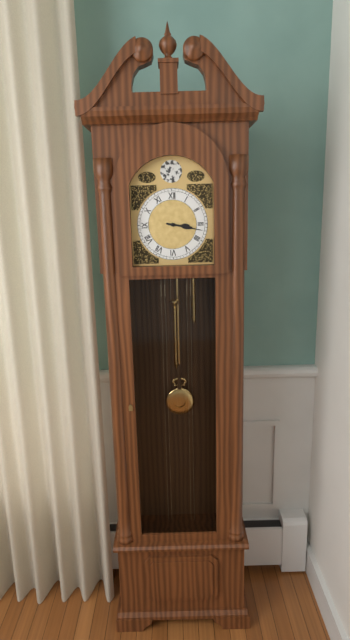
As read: 3h17
